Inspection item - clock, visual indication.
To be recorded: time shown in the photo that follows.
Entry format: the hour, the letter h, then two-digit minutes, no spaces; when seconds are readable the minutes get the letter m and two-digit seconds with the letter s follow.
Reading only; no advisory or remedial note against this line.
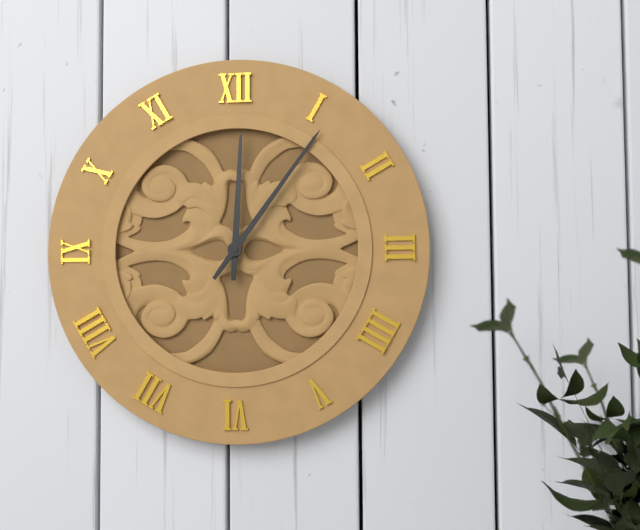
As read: 12h06
